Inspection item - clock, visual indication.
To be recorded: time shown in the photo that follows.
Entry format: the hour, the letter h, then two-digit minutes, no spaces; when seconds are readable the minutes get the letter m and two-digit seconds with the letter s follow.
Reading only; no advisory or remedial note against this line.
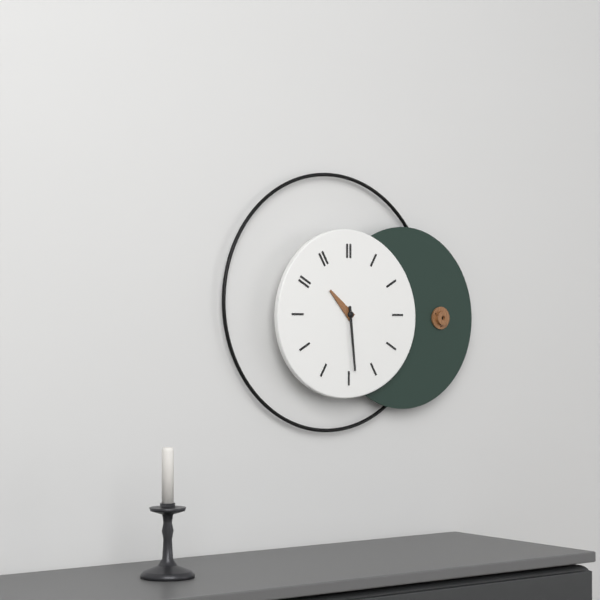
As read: 10h29
